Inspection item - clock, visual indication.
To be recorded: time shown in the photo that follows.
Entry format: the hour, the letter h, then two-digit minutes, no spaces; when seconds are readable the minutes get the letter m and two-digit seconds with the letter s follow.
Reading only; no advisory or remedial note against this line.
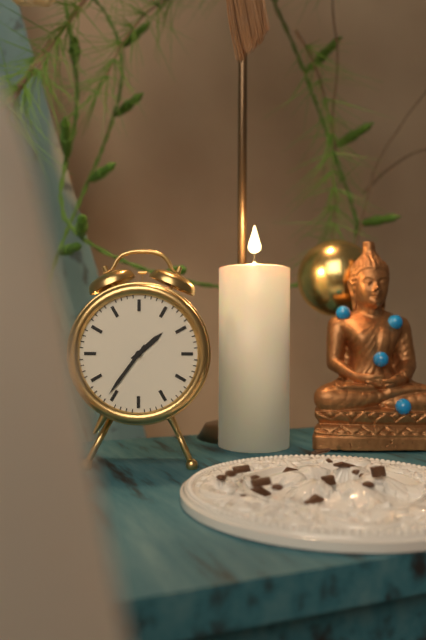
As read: 1h36
